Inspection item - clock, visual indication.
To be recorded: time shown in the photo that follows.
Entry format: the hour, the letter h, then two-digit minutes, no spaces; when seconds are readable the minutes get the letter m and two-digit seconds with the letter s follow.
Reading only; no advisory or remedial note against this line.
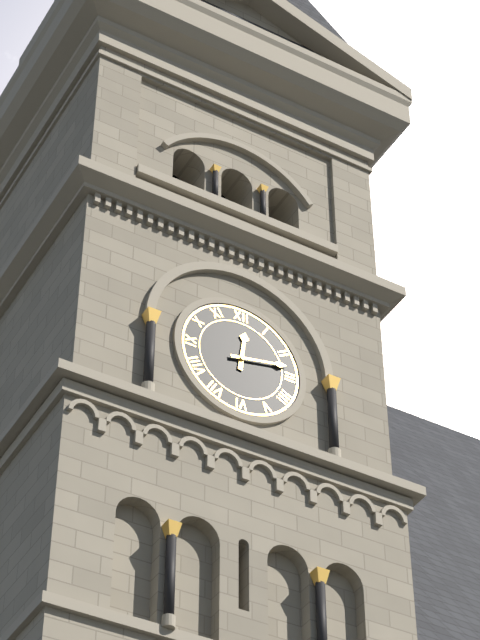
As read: 12h13
